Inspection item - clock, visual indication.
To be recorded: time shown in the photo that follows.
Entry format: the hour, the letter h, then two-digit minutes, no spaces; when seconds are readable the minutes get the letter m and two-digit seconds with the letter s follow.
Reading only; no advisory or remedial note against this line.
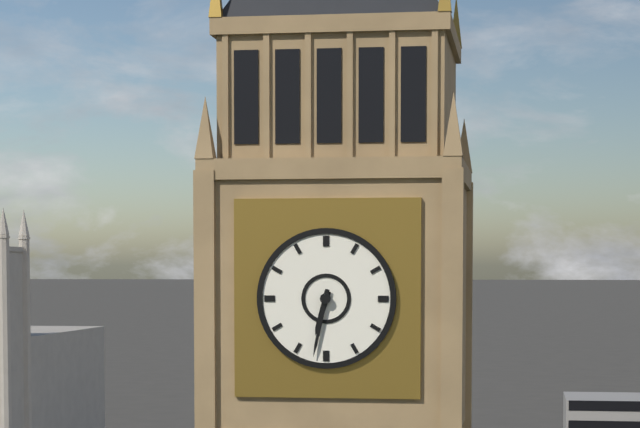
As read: 6h32
